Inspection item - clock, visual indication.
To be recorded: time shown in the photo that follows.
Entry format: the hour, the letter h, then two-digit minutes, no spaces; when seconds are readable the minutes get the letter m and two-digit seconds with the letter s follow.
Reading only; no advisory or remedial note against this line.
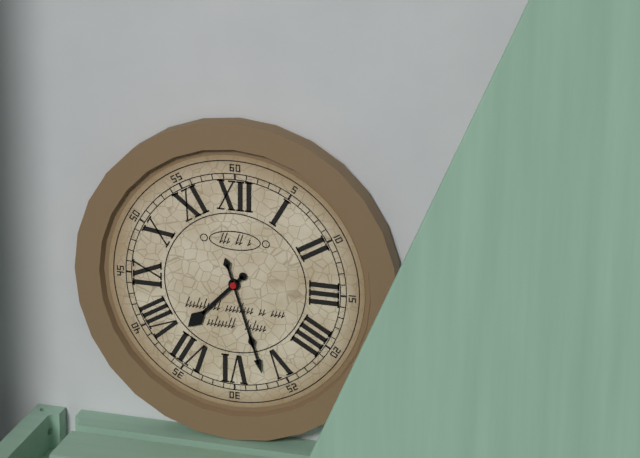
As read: 7h27
